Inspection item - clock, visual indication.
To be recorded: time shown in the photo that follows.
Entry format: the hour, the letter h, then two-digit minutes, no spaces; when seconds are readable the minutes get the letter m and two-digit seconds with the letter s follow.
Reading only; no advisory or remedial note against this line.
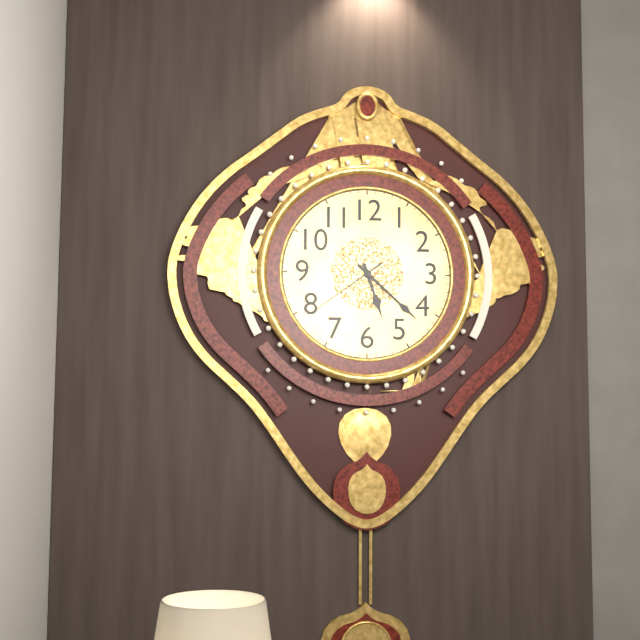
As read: 5h22m39s
